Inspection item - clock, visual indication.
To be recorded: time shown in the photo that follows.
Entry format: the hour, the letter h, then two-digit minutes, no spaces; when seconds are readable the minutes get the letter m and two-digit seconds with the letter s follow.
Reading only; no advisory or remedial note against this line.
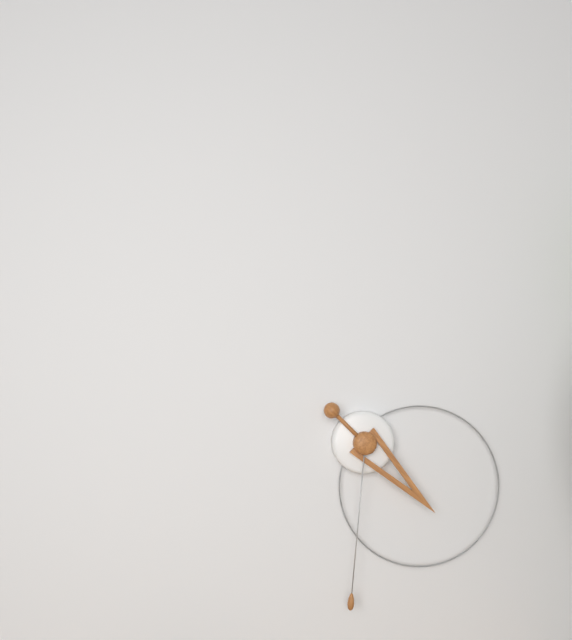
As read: 4h31
